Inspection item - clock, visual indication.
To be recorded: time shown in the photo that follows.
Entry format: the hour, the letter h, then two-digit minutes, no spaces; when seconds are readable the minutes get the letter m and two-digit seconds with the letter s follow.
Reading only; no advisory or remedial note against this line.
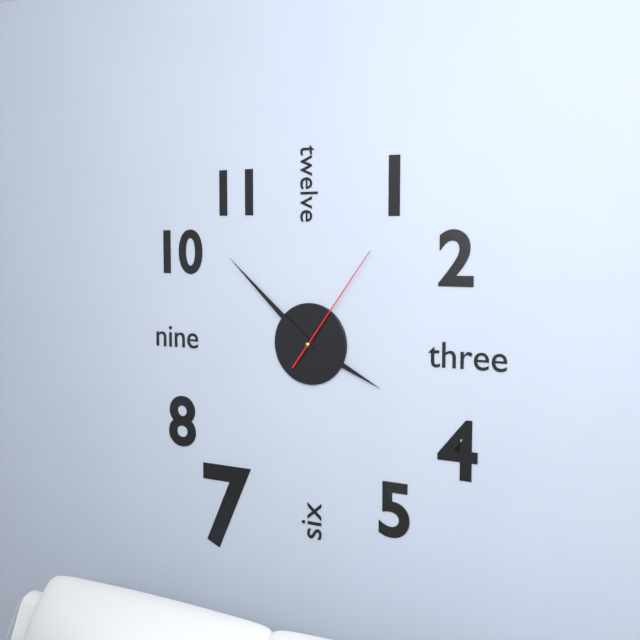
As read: 3h52m06s
